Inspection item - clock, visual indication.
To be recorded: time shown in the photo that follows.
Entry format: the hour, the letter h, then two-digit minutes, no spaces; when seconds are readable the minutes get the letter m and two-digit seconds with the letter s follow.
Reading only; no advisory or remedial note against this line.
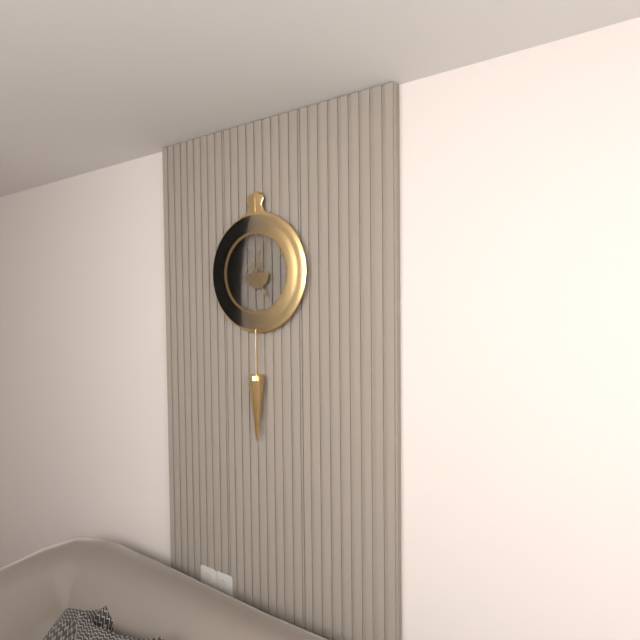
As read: 5h03
